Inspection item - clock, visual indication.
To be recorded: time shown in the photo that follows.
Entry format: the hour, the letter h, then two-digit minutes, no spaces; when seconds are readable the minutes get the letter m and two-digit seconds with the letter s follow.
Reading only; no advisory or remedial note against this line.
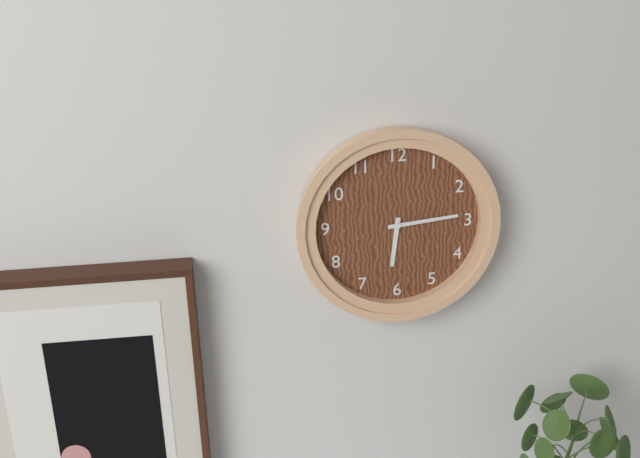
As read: 6h14
